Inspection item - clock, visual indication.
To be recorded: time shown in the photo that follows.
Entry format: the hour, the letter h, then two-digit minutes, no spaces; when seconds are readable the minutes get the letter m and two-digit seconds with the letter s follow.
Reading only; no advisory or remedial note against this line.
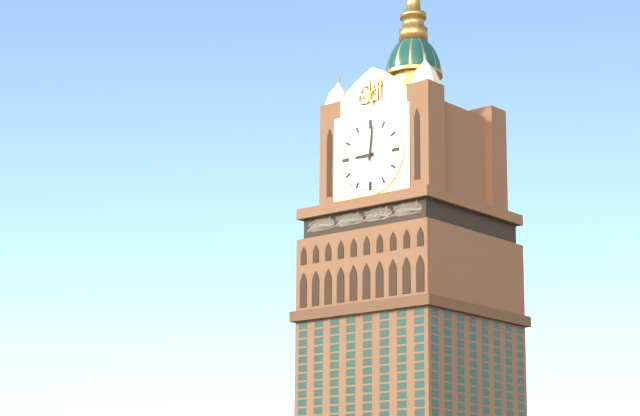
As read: 9h01
